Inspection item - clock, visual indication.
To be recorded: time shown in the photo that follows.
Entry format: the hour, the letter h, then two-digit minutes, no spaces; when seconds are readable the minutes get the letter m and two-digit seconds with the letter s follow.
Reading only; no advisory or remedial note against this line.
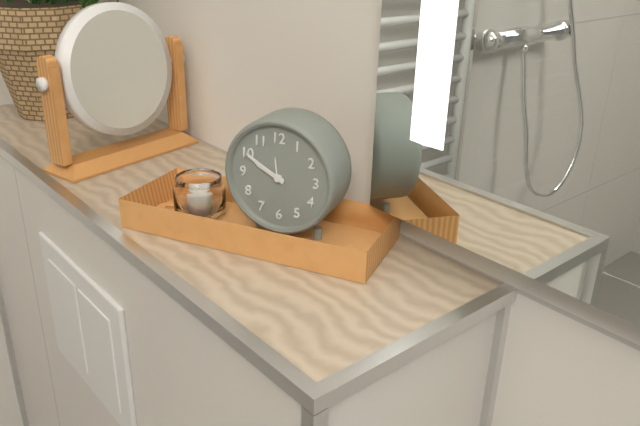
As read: 9h50
